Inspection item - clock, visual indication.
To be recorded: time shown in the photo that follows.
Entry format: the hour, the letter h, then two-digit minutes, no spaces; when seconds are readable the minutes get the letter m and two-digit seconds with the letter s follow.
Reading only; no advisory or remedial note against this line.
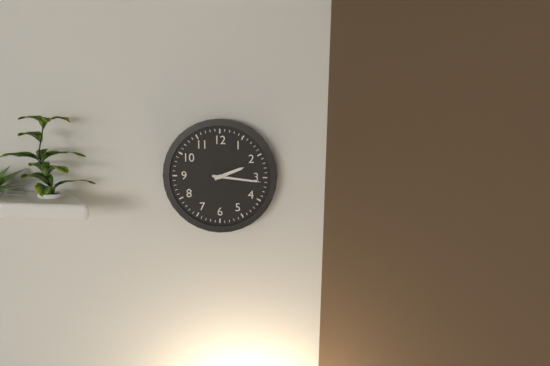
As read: 2h16
